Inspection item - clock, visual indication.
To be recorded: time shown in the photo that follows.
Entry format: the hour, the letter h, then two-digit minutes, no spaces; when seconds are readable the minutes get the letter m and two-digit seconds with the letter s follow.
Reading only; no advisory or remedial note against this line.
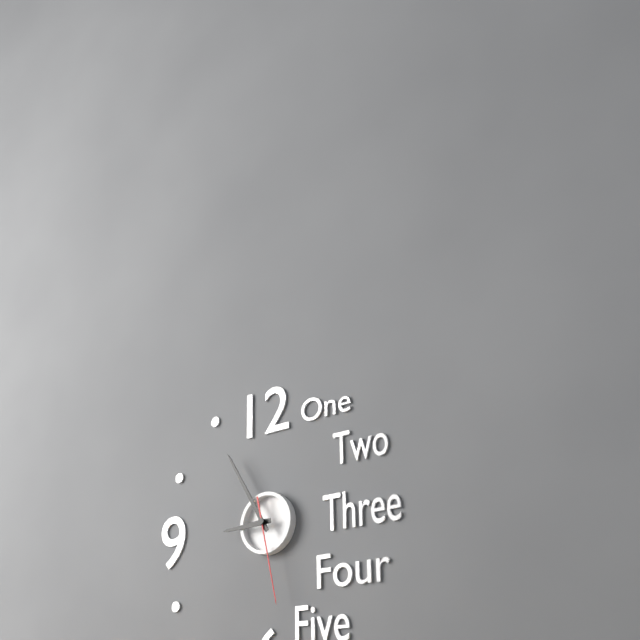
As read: 8h55m28s
